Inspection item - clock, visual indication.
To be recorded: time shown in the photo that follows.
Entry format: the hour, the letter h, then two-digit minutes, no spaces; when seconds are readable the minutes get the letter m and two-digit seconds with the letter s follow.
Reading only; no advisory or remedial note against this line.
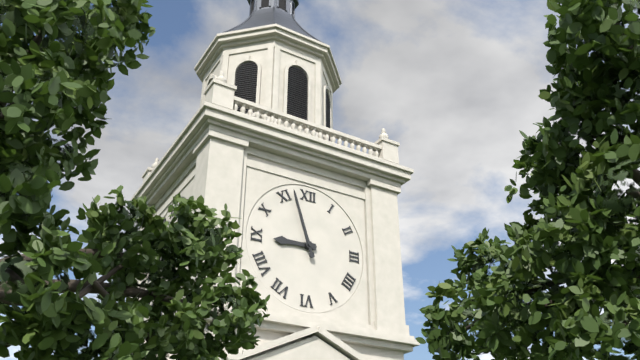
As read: 8h57
